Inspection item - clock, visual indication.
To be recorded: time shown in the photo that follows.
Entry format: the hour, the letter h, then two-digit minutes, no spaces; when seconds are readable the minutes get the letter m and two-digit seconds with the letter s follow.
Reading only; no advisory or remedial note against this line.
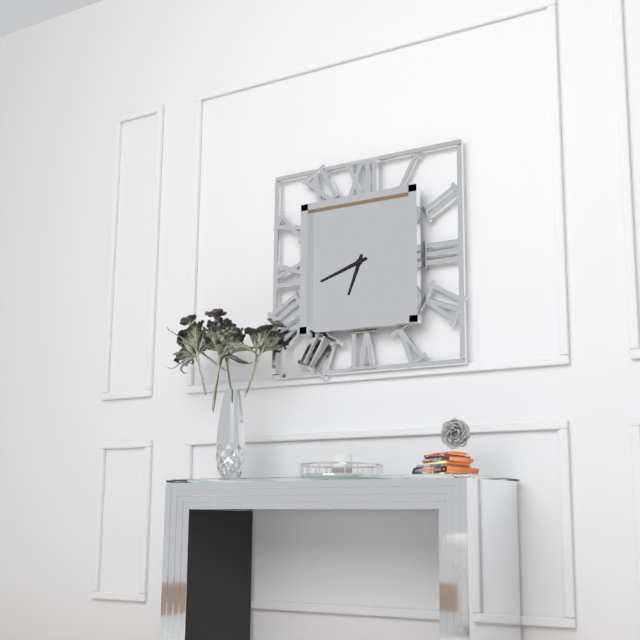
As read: 6h42
